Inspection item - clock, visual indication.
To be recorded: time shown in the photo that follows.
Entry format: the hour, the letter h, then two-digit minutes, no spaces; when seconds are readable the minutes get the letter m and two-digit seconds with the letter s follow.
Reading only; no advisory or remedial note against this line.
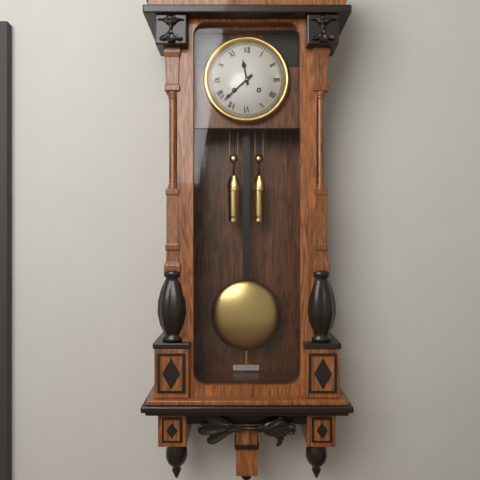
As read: 11h38
